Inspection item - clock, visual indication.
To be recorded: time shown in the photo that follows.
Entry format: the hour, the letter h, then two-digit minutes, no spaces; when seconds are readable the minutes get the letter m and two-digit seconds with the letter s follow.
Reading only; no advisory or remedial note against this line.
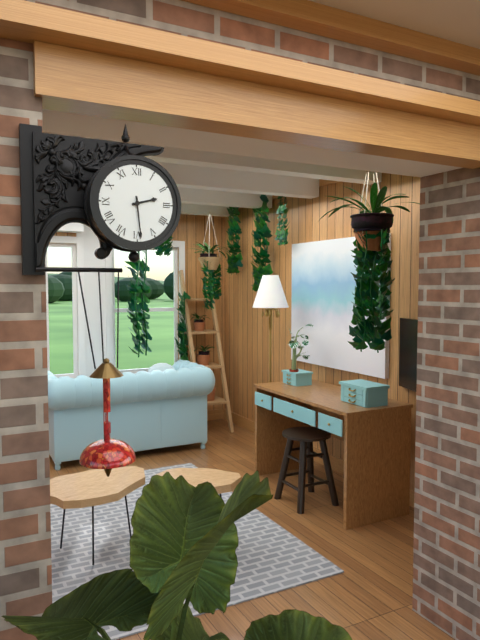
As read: 2h29
